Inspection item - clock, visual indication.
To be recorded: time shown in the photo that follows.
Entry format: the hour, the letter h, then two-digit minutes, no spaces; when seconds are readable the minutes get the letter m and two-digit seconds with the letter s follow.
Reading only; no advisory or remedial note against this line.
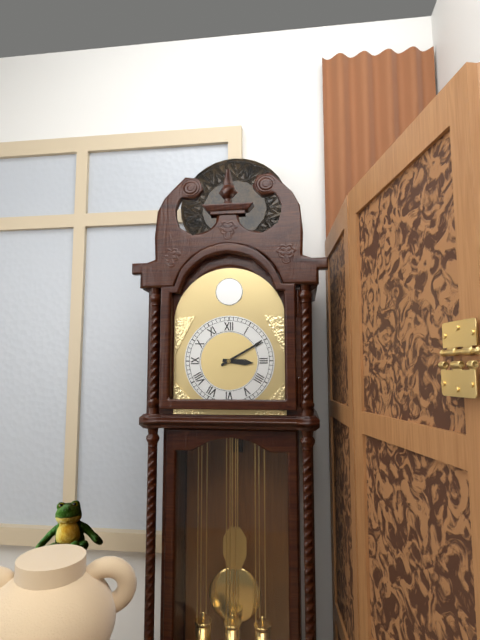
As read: 3h10
